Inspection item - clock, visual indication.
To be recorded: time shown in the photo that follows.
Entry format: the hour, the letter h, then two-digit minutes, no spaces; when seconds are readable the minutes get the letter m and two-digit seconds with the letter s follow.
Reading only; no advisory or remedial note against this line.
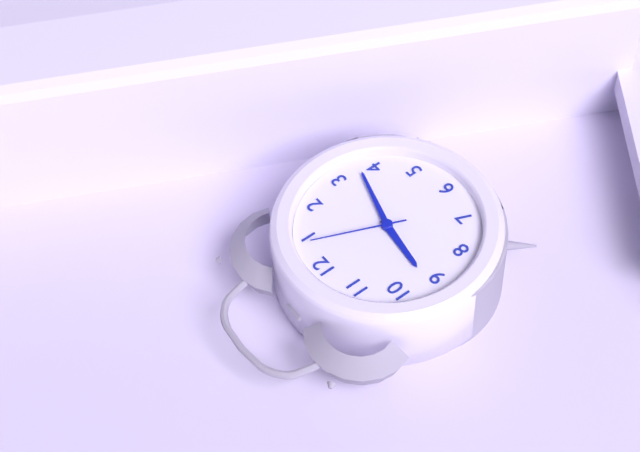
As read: 9h18m04s
